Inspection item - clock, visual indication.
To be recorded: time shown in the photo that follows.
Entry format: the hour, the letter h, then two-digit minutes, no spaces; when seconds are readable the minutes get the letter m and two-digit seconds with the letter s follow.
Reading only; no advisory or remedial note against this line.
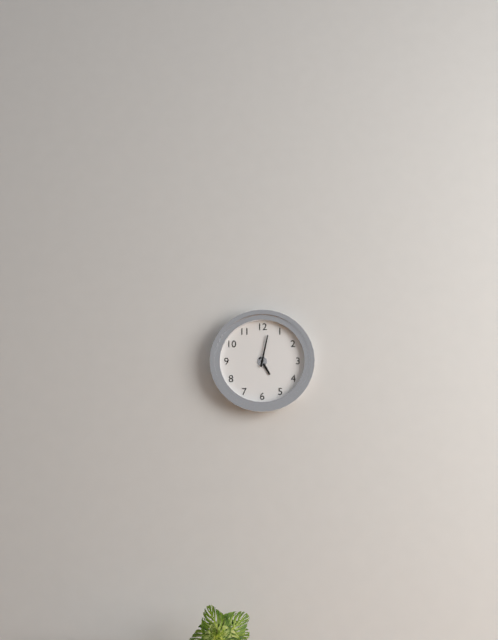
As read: 5h02
